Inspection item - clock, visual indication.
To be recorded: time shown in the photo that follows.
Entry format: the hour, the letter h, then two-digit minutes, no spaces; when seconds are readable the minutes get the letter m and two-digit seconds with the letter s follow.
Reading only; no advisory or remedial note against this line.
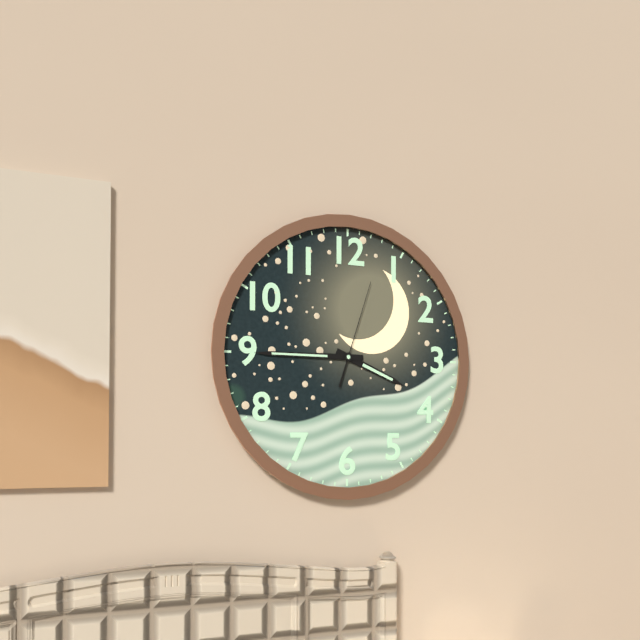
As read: 3h45m03s
